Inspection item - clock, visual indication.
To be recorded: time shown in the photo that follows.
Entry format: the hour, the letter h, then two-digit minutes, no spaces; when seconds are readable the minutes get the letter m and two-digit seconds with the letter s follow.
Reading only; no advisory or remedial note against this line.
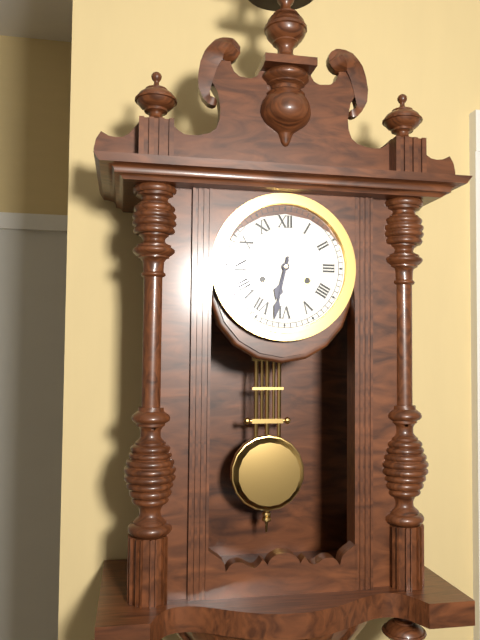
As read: 6h32
